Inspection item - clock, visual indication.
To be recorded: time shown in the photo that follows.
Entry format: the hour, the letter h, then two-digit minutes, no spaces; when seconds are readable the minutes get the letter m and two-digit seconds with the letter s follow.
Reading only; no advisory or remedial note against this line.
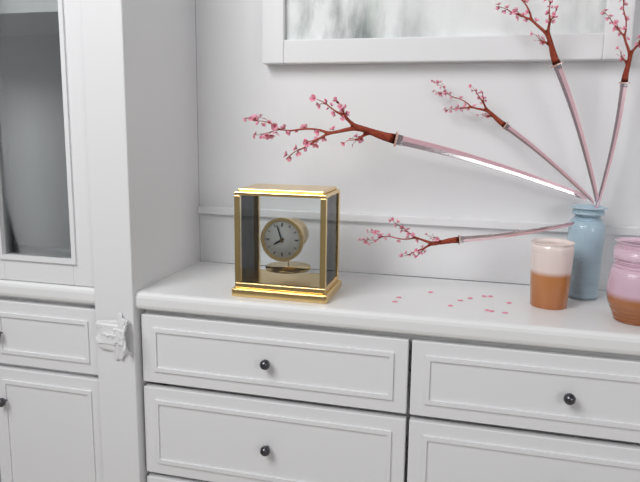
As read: 7h57
